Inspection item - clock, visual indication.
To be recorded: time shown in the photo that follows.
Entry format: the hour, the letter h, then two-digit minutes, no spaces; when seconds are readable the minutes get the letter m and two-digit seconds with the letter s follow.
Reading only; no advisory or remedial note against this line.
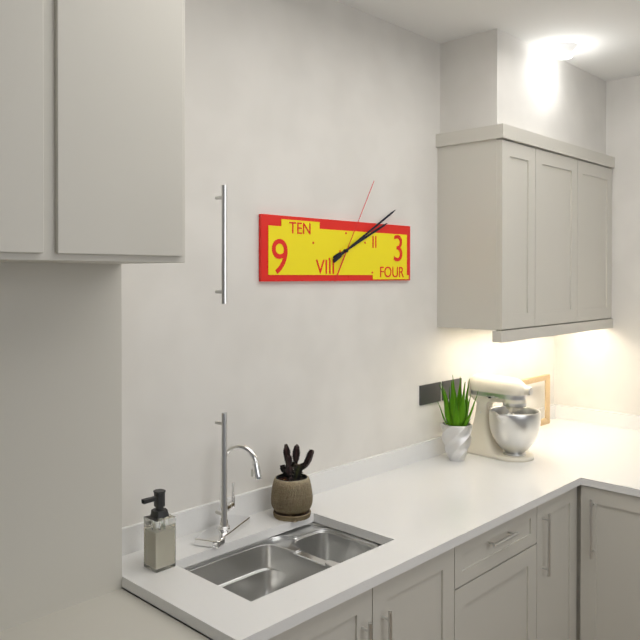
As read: 2h10m05s
